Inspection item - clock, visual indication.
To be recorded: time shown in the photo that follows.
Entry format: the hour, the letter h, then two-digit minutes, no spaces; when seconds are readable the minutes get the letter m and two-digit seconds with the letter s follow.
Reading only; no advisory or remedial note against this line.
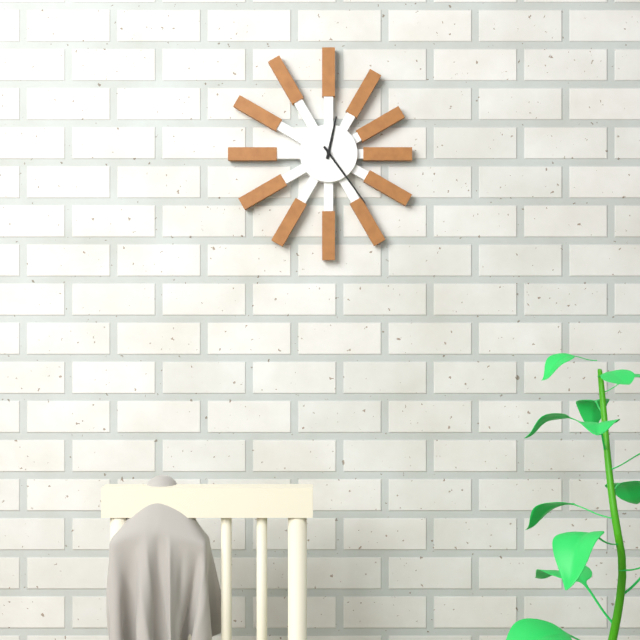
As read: 12h24
